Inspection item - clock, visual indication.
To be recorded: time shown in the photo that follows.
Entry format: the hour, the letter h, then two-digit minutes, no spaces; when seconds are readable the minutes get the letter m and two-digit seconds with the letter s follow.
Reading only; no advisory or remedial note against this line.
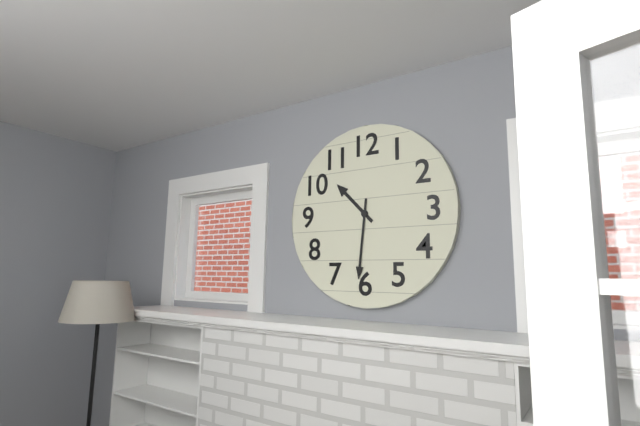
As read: 10h31
